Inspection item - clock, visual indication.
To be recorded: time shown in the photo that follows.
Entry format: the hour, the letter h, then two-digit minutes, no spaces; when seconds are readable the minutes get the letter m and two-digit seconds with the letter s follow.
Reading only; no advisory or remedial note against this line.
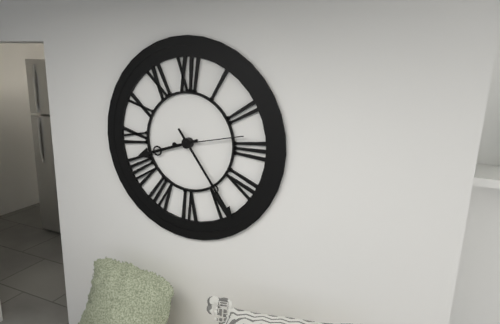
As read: 8h24m13s
